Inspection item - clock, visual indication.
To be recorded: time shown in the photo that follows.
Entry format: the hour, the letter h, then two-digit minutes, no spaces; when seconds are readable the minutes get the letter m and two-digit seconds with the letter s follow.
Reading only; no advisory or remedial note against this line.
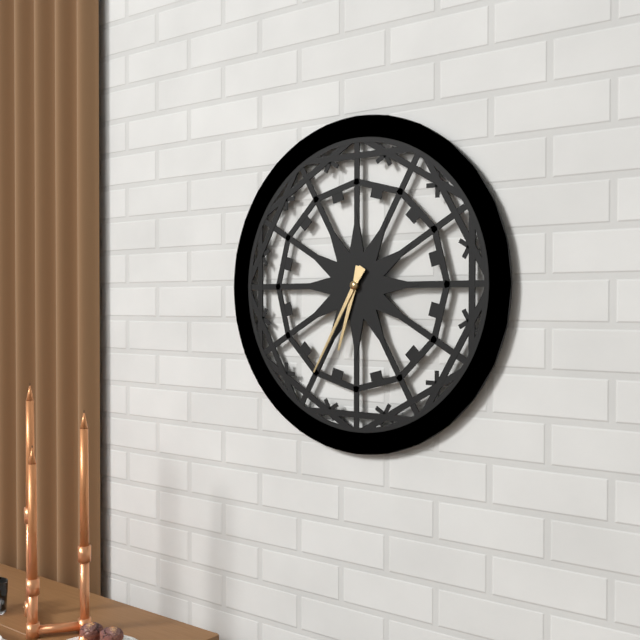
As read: 6h35
